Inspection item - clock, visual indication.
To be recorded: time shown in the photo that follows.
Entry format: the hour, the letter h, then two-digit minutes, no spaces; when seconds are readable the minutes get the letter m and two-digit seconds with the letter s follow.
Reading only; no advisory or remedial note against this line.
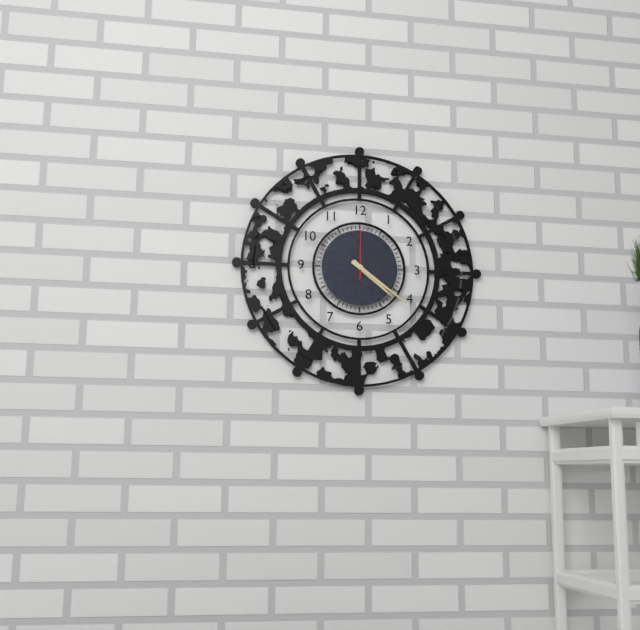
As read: 4h21
